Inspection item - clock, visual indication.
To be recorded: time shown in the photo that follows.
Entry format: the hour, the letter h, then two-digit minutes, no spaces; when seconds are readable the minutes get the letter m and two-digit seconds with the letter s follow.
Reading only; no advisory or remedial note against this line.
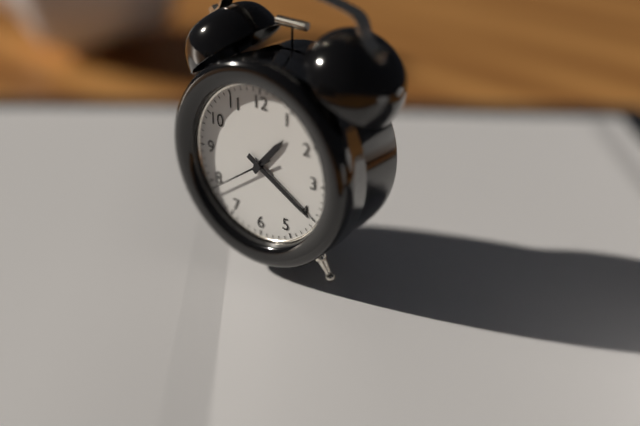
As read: 1h20m39s
